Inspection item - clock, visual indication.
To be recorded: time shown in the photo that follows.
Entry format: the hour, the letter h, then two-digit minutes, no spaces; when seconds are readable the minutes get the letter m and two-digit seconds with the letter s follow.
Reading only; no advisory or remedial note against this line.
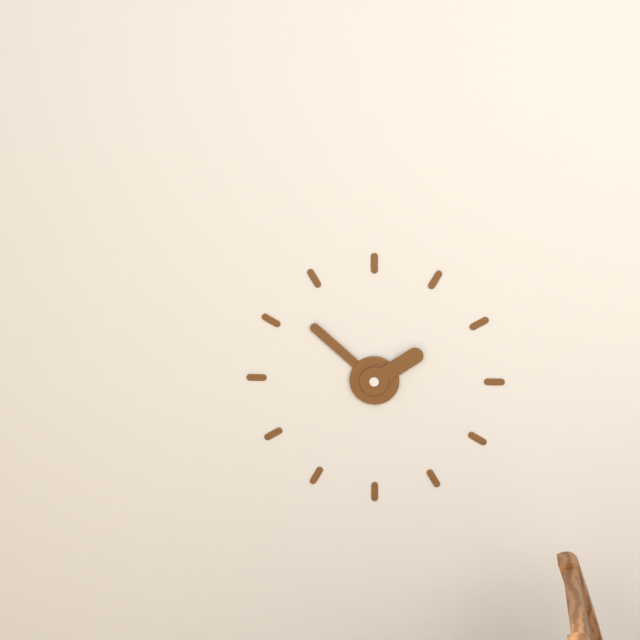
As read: 1h52
